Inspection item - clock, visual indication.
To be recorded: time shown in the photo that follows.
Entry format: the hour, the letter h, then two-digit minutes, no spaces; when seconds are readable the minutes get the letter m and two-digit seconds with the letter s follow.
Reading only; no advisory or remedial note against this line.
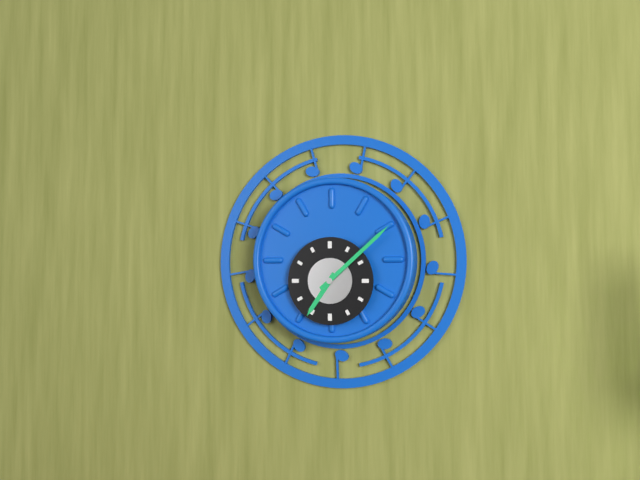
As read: 7h08
